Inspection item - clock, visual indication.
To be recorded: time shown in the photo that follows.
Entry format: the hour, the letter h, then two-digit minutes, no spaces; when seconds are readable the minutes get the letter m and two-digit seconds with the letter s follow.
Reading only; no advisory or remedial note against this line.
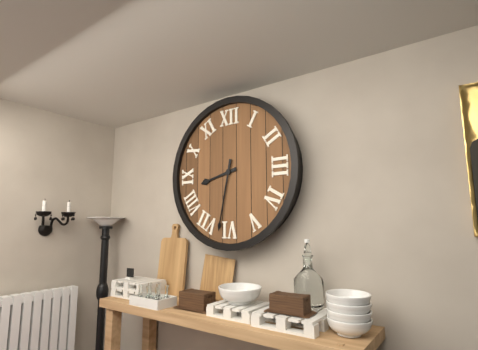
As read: 8h32
